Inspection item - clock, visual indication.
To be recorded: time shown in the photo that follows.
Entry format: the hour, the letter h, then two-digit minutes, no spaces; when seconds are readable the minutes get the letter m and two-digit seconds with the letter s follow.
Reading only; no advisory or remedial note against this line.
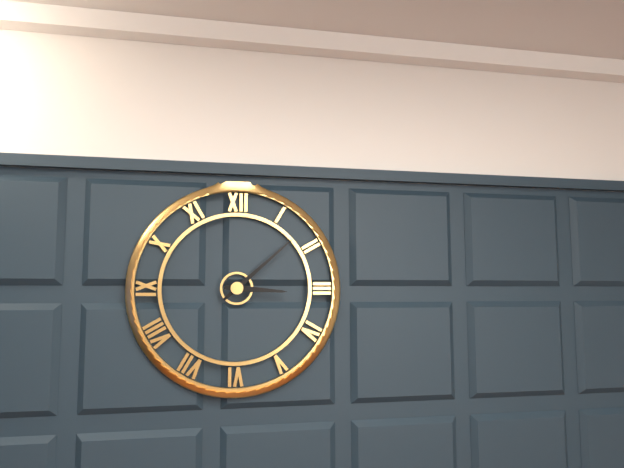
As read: 3h08
